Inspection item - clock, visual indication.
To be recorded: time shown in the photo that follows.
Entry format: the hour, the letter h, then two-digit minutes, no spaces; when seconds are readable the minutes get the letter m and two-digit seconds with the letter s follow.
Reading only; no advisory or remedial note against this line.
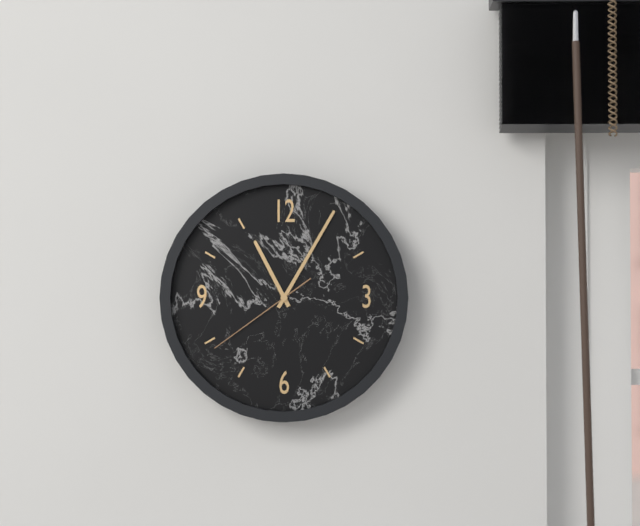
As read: 11h05m39s
